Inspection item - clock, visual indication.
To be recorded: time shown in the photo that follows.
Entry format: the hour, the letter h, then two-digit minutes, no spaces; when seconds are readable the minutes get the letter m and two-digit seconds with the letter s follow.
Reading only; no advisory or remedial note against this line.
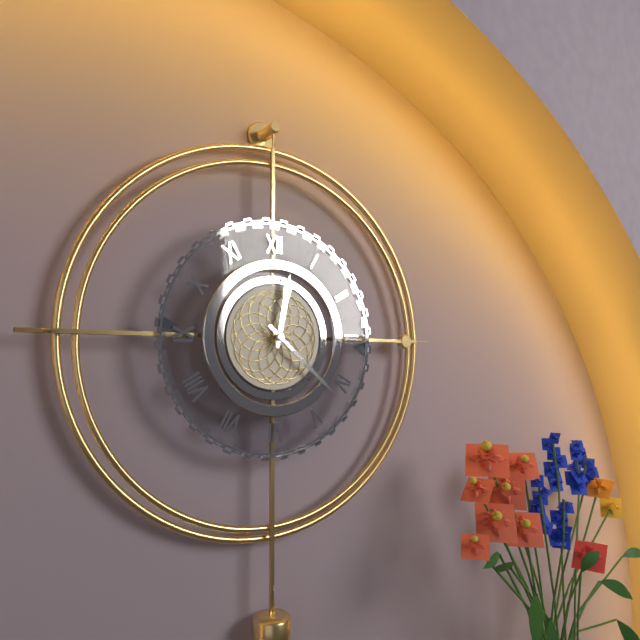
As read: 12h22
